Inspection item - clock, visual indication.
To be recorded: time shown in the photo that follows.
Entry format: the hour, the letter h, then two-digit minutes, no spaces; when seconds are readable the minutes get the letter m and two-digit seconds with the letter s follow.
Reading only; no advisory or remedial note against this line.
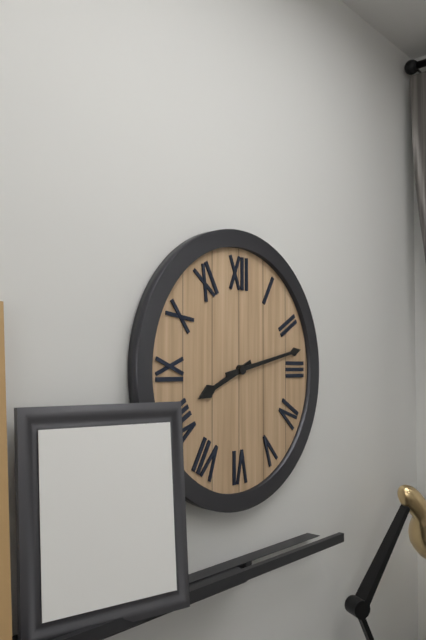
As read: 8h13
